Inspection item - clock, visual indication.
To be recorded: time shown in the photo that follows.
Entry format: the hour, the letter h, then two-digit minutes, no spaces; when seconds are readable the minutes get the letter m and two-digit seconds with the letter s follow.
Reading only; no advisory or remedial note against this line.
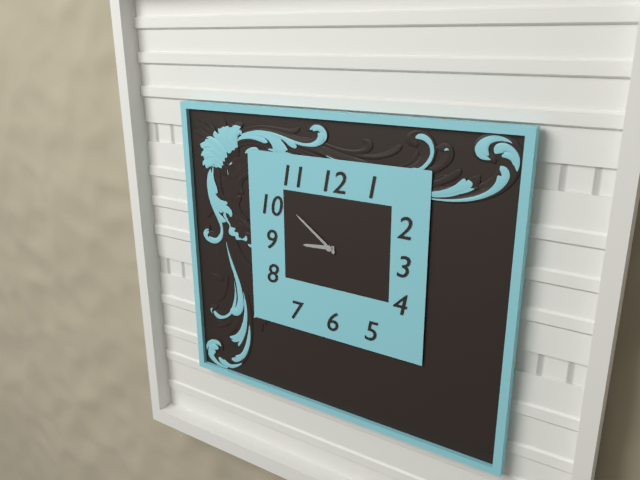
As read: 8h51
